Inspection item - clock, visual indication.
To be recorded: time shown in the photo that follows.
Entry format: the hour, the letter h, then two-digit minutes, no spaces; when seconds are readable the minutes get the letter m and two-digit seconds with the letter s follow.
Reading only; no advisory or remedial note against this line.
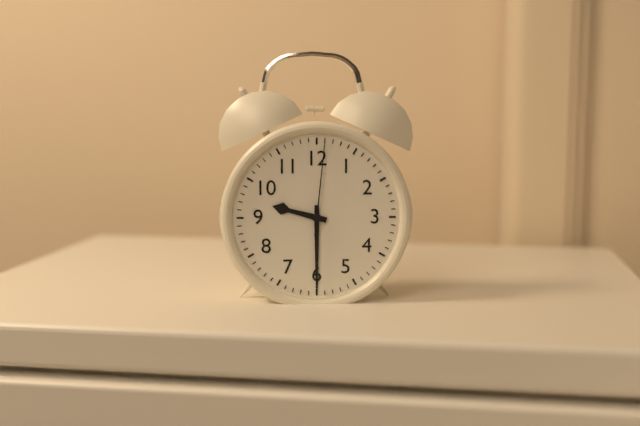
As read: 9h30m01s
